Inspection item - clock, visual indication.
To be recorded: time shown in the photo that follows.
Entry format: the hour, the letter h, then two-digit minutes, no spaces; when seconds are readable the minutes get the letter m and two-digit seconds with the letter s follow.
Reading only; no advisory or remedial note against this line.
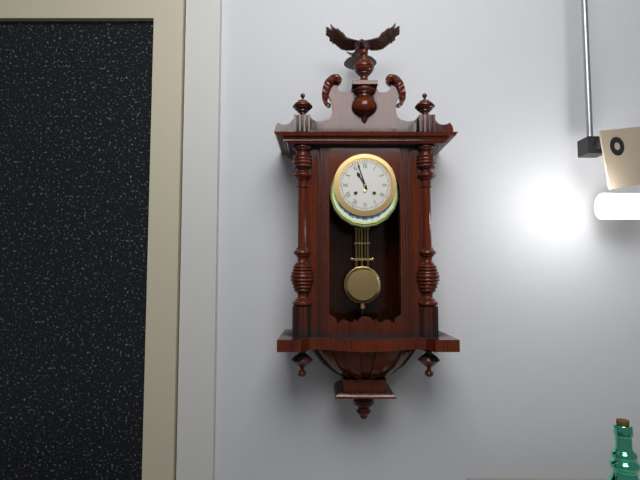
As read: 10h57
